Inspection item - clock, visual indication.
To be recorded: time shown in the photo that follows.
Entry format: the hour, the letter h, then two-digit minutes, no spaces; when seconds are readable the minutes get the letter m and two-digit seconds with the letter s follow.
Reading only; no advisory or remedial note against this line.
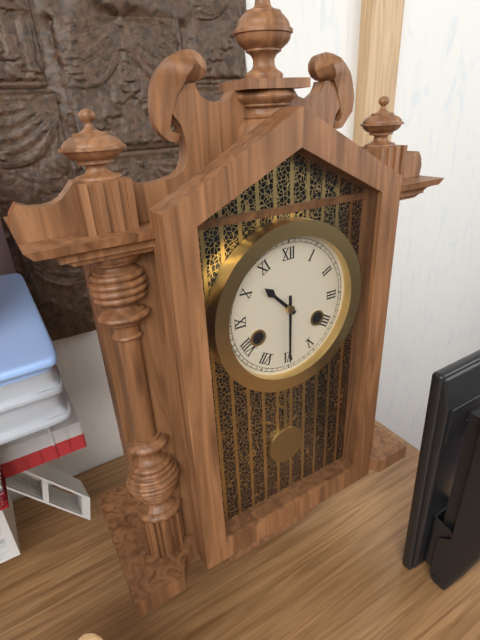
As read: 10h30
